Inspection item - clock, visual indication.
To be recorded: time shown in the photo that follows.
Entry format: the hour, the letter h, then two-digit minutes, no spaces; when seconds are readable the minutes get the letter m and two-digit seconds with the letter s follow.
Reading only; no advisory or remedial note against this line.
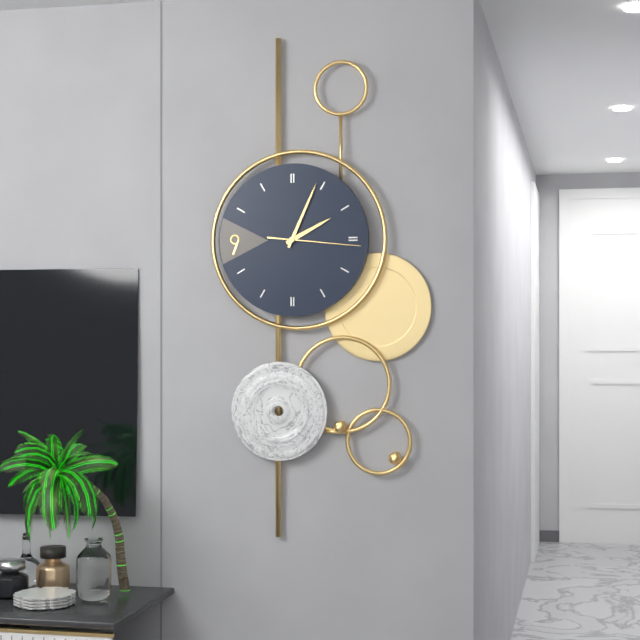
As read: 2h04m16s
